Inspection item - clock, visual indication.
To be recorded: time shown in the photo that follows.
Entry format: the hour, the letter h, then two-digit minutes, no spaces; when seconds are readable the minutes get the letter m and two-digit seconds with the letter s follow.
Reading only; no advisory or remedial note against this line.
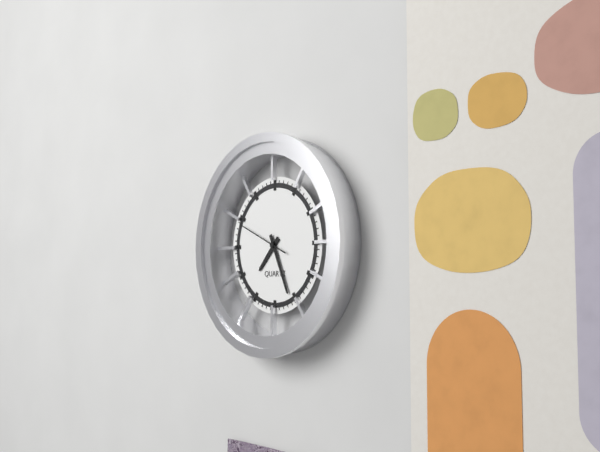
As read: 7h26
